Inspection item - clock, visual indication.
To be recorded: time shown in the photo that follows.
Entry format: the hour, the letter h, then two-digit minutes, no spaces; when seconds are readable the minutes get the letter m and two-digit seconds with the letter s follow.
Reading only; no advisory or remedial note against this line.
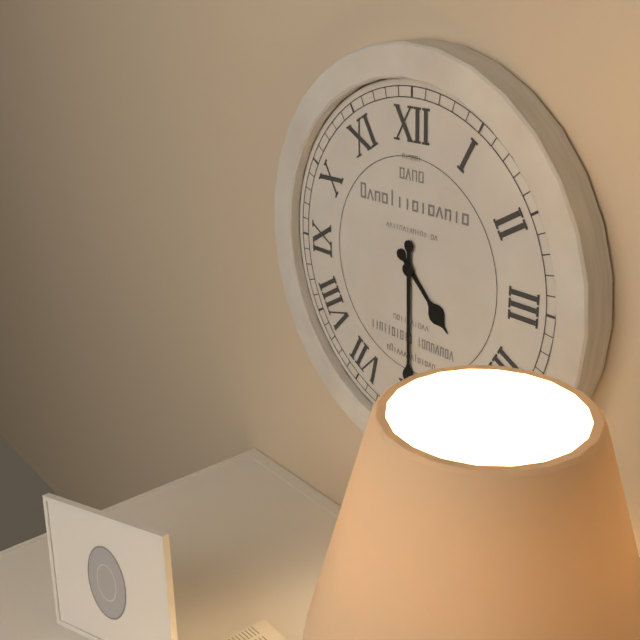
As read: 4h30
